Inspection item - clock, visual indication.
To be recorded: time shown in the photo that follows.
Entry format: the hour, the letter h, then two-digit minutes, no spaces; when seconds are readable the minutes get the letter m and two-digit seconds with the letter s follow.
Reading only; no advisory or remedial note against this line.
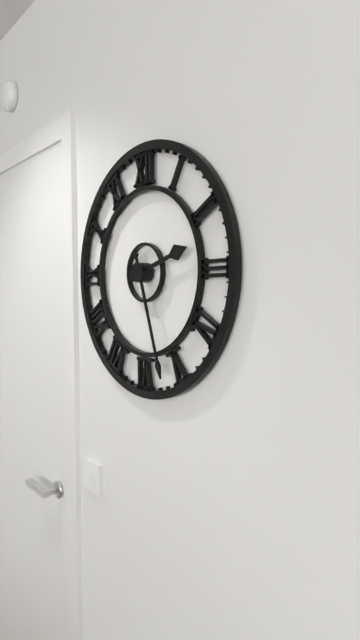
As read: 2h27
